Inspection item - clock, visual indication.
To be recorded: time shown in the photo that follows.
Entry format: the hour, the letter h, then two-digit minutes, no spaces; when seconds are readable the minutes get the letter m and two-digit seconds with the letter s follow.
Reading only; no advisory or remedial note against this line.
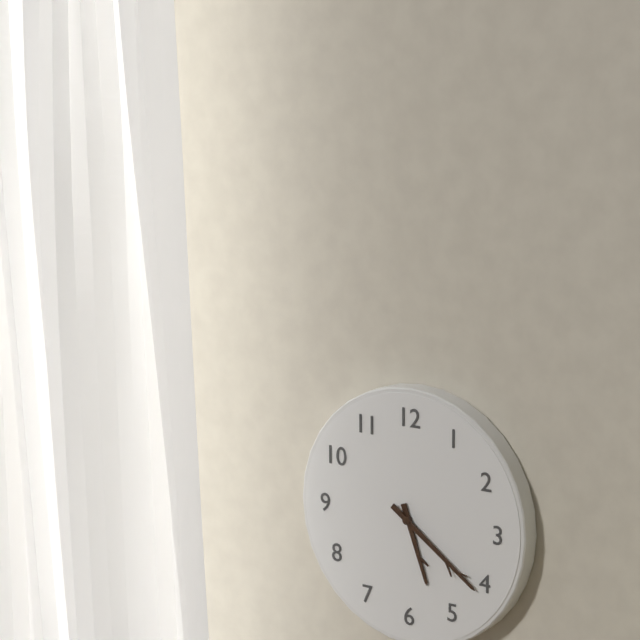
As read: 5h21
